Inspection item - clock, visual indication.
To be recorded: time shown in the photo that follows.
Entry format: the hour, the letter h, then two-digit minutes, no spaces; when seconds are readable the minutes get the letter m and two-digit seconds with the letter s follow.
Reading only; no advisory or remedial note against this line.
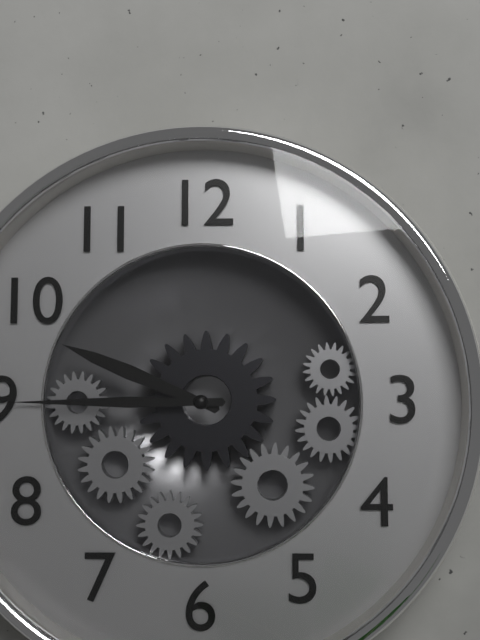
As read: 9h45
